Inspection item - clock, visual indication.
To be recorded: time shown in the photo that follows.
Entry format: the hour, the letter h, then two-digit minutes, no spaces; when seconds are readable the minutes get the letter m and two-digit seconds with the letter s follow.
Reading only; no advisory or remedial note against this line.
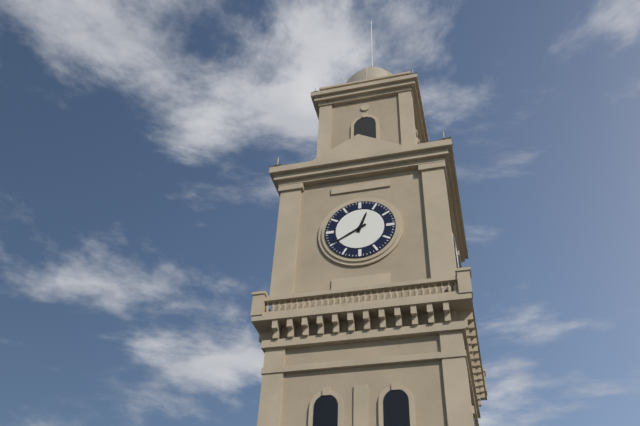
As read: 12h40
